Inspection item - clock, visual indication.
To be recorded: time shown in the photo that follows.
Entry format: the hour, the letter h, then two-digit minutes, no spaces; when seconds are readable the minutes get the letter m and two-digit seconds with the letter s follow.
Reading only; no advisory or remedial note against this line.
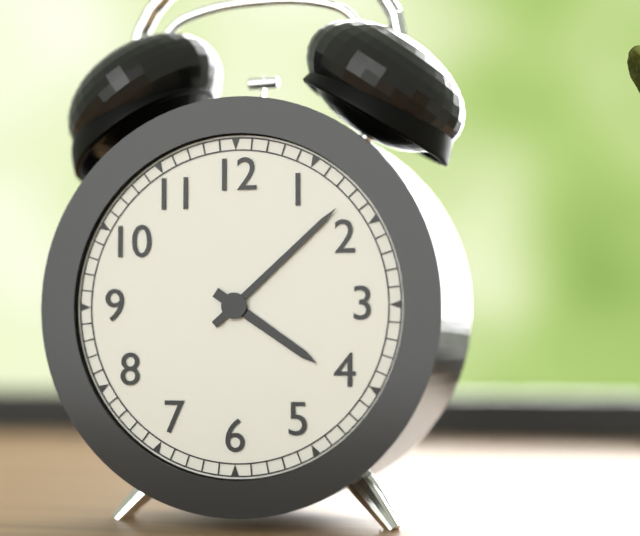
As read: 4h08
